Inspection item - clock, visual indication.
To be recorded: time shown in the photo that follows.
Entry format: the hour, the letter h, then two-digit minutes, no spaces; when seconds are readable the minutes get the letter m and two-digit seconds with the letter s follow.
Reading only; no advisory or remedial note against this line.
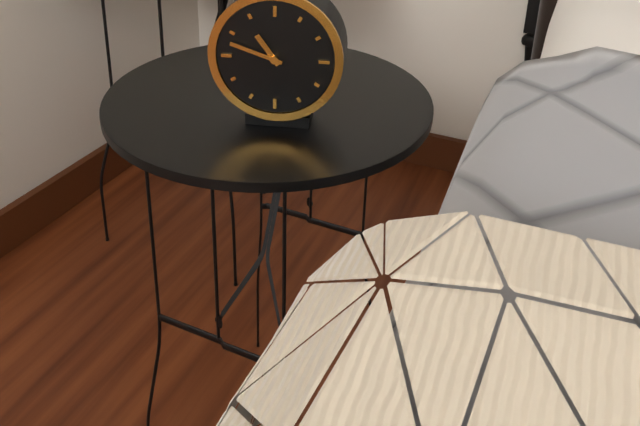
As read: 10h48
